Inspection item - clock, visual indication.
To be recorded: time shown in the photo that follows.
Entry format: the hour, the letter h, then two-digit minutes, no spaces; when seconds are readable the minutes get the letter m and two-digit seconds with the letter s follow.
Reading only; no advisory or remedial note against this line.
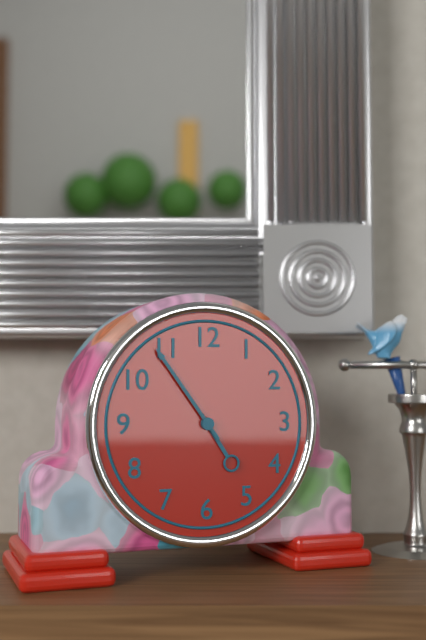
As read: 4h54
